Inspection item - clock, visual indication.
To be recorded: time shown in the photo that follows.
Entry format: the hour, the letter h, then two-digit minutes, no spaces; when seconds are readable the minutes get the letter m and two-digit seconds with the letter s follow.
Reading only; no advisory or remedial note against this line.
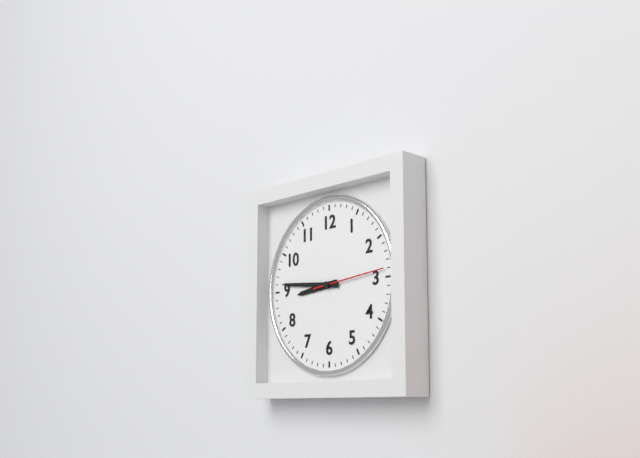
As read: 8h46m14s
